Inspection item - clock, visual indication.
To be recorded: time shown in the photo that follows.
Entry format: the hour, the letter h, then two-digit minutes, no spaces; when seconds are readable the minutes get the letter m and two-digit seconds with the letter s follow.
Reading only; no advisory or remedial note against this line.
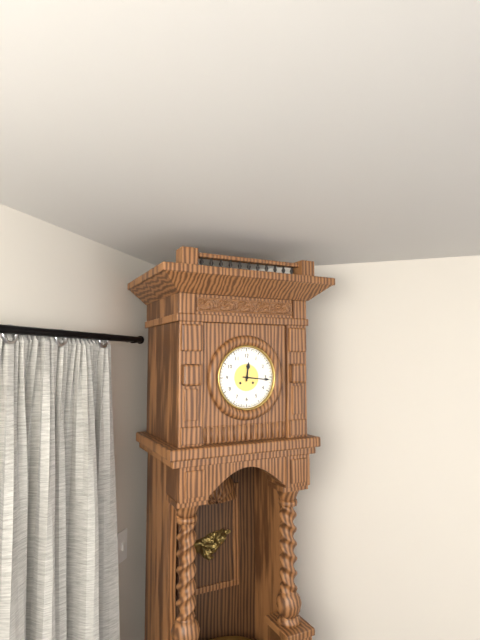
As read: 12h16
